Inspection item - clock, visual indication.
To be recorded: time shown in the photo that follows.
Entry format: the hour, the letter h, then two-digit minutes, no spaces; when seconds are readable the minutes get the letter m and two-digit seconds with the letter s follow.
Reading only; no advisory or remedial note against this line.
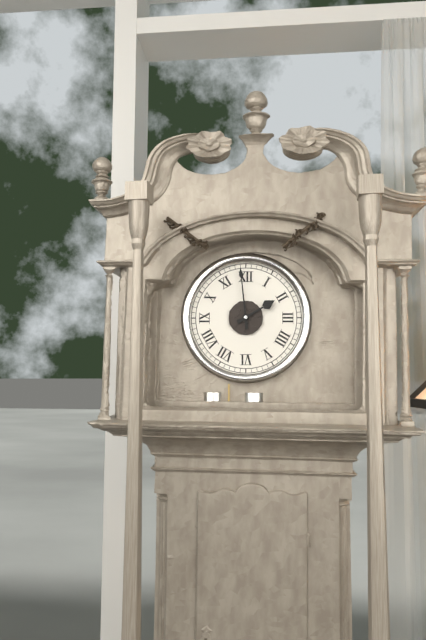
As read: 1h59
